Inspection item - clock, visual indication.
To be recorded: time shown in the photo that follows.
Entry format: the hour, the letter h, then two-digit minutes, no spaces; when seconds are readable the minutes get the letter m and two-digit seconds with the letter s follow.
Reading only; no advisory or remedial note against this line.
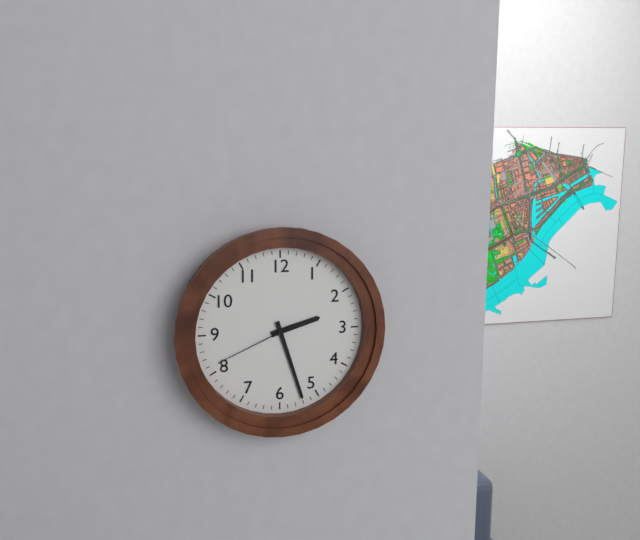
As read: 2h27m41s
